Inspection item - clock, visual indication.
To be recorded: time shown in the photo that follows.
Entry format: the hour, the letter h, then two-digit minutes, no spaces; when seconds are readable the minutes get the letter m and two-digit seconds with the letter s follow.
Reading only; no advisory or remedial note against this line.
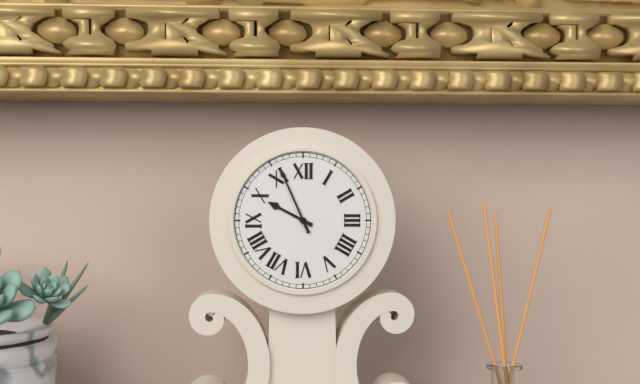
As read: 9h56
